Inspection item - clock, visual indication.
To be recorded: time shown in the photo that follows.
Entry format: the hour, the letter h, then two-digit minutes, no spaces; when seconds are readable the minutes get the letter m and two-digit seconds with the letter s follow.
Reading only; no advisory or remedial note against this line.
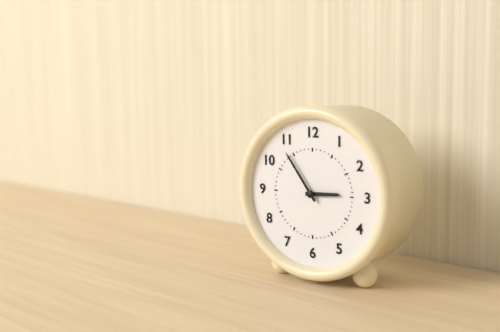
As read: 2h54
